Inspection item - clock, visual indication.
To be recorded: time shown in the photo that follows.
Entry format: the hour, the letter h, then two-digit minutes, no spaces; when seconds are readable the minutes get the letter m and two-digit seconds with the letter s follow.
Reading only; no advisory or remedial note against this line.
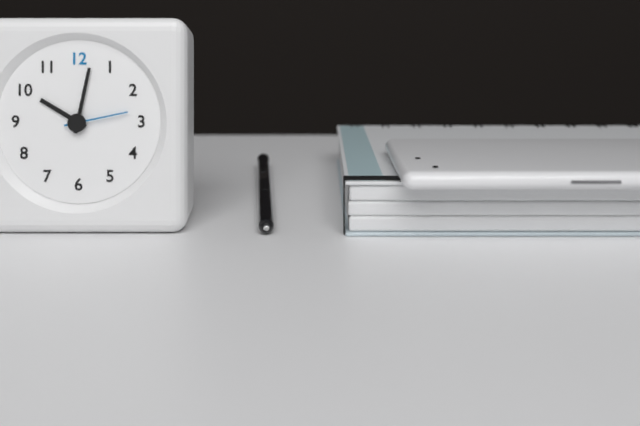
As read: 10h02m13s
